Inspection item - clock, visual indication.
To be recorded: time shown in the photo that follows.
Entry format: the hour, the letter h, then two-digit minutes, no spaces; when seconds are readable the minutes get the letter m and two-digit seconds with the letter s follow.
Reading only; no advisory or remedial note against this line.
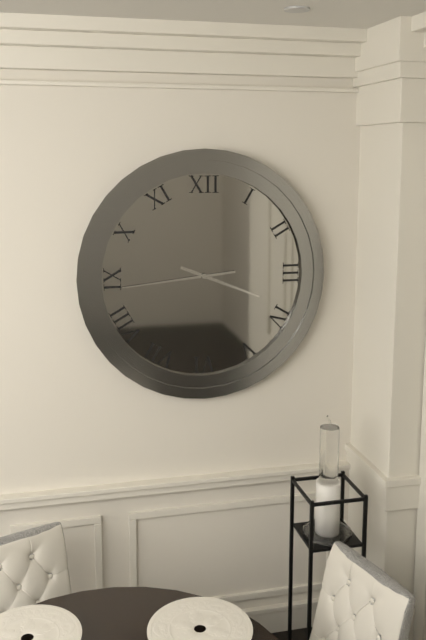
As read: 3h44
